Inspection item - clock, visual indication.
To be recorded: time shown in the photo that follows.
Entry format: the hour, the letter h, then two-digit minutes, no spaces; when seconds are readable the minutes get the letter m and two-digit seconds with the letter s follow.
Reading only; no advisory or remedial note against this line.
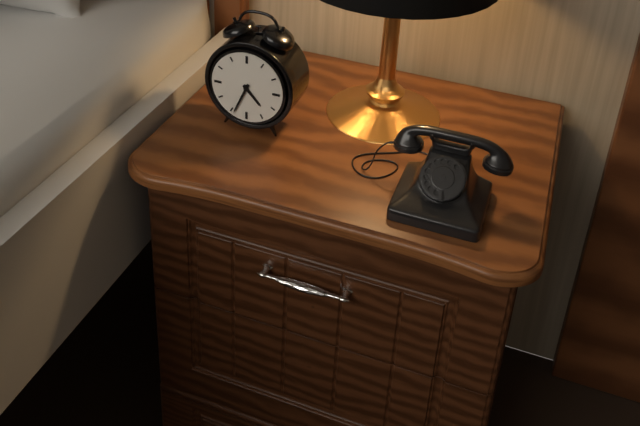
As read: 4h34
